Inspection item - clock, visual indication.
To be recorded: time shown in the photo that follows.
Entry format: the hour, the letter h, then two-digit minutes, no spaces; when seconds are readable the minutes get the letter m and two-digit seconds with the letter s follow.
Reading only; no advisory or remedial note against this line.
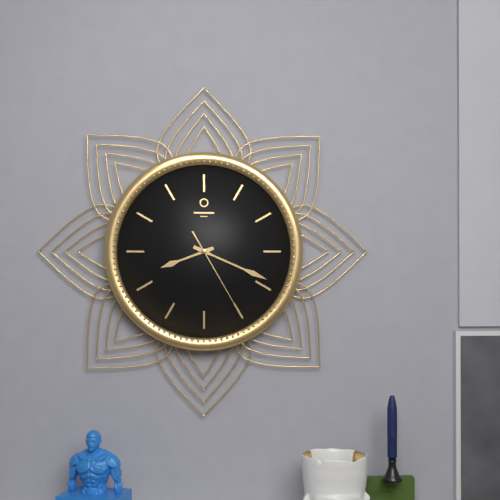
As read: 8h19m25s
